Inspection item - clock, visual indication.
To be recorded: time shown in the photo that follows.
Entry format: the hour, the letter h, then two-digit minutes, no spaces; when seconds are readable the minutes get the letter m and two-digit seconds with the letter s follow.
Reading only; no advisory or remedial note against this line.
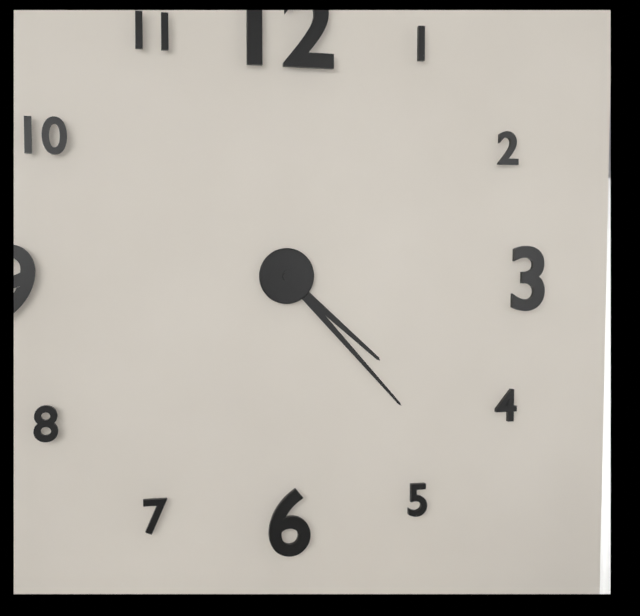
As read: 4h23
